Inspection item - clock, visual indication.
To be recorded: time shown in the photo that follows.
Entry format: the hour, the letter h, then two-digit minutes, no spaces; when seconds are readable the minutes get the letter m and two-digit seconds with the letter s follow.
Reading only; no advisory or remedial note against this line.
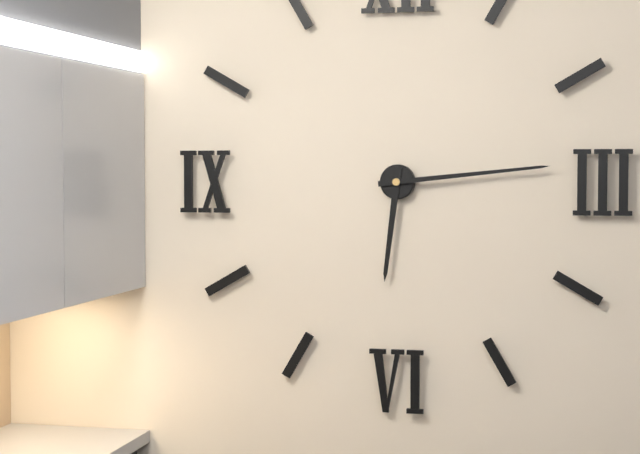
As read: 6h14
